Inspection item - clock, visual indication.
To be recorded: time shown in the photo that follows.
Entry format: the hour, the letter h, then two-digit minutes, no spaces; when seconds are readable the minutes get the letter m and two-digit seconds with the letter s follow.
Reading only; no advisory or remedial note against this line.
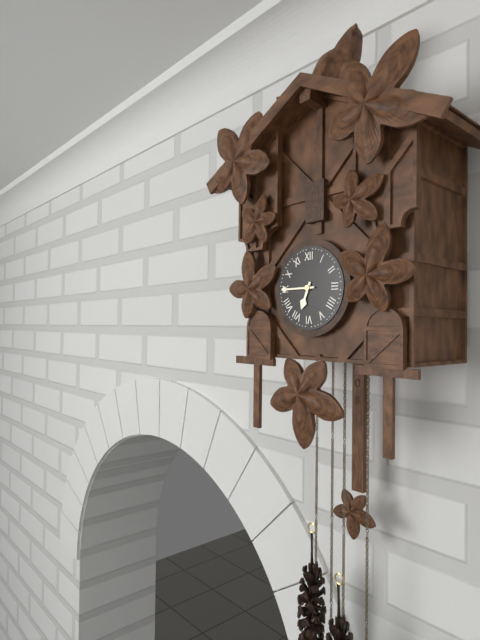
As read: 6h45
